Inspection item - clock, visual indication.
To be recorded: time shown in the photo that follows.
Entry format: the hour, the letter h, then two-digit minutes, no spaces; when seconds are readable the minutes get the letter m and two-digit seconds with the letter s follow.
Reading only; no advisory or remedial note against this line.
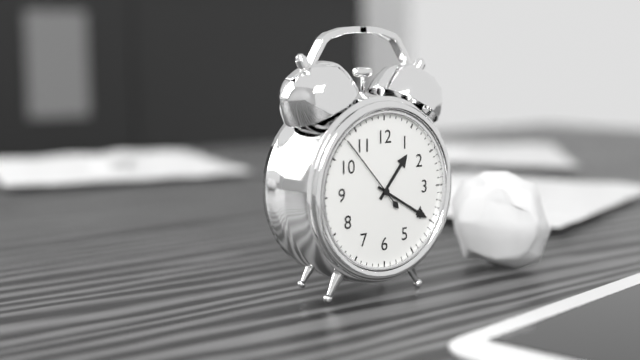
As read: 1h20m53s
